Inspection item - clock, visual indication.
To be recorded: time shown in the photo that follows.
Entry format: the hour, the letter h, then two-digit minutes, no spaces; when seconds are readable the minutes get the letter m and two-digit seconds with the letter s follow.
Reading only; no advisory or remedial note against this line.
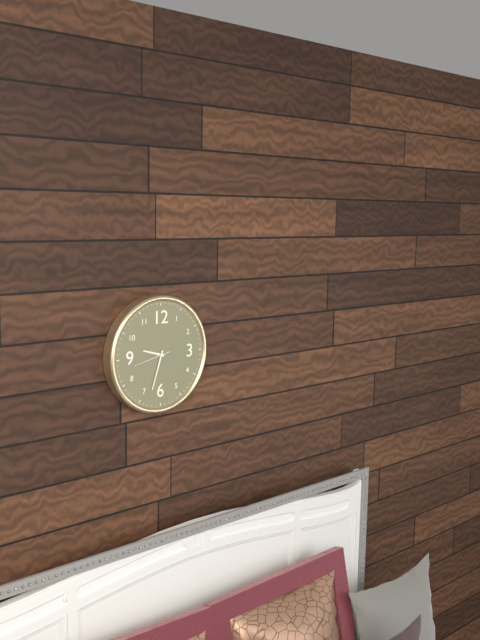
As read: 9h33
